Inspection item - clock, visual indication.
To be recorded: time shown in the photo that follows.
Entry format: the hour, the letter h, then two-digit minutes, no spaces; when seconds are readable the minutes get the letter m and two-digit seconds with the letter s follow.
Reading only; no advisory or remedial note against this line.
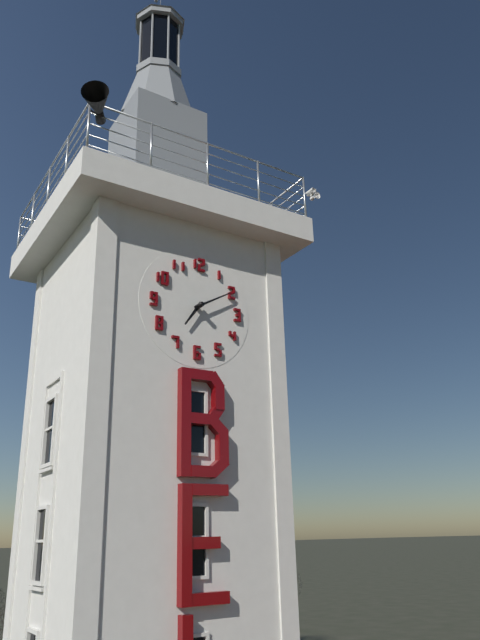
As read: 7h10
